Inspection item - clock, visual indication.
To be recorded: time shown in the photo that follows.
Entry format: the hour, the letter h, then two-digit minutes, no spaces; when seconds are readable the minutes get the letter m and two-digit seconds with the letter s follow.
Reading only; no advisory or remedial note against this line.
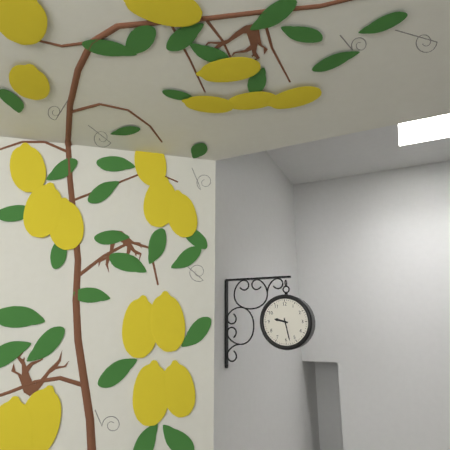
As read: 9h28
